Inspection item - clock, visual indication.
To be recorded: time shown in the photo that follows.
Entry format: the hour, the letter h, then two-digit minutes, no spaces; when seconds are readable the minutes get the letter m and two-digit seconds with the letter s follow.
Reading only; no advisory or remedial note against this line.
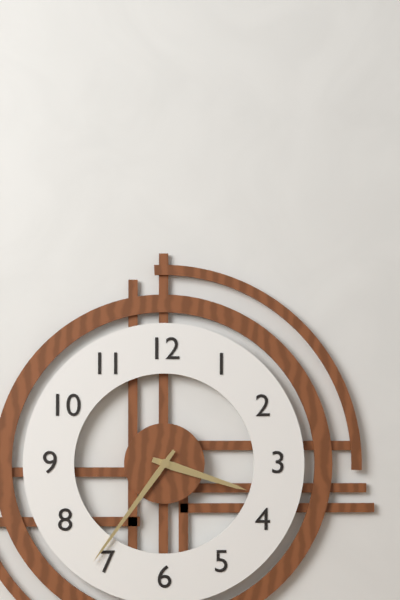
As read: 3h36
